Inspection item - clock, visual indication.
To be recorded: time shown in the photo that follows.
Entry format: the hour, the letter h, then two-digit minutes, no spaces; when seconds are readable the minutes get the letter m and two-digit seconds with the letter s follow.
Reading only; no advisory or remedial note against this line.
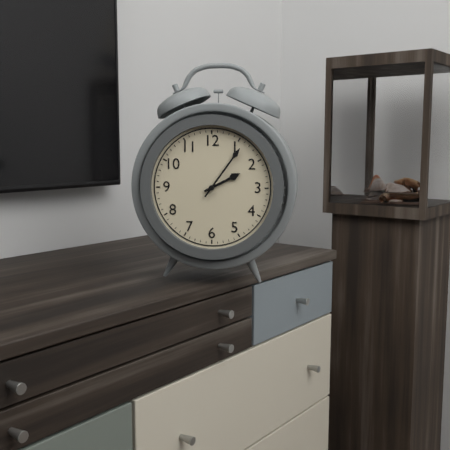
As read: 2h06
